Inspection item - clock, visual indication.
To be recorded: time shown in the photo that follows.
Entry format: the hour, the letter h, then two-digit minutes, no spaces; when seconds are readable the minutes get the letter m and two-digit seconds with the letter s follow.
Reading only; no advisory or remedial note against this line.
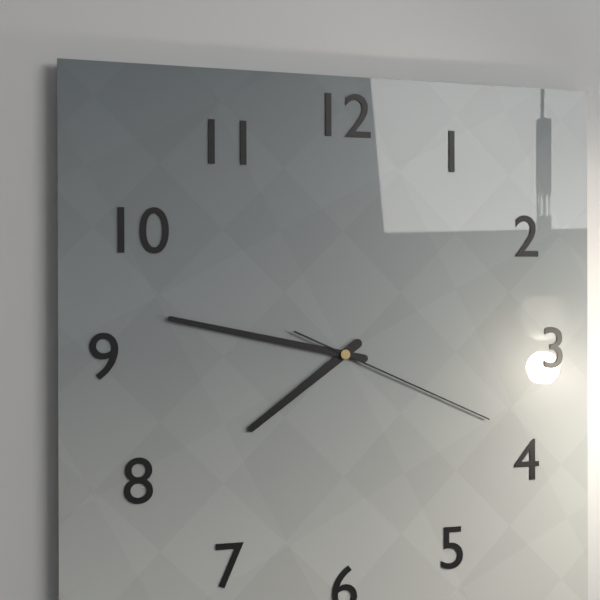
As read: 7h47m19s
